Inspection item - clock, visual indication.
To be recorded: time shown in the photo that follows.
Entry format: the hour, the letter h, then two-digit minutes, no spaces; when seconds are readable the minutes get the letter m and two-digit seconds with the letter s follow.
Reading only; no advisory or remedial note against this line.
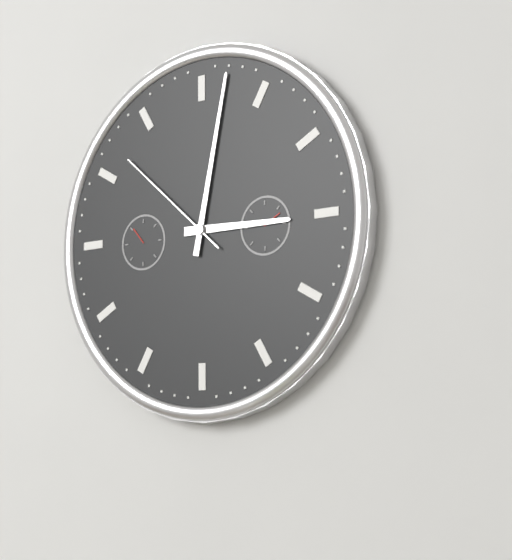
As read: 3h02m52s
